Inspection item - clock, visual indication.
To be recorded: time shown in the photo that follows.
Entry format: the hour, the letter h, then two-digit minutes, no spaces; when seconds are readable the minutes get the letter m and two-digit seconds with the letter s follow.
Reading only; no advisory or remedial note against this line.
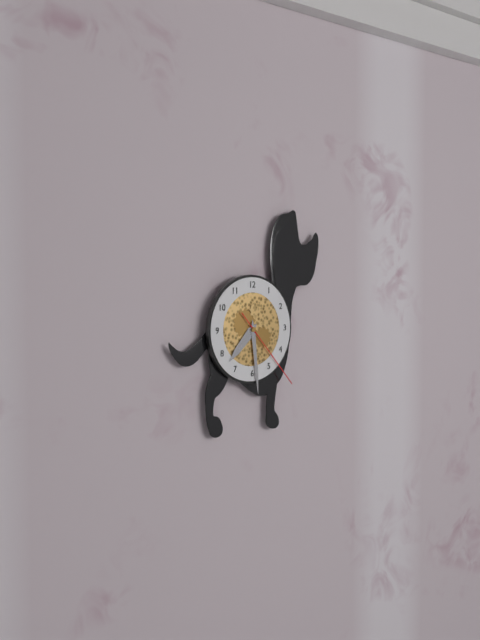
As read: 7h29m23s
